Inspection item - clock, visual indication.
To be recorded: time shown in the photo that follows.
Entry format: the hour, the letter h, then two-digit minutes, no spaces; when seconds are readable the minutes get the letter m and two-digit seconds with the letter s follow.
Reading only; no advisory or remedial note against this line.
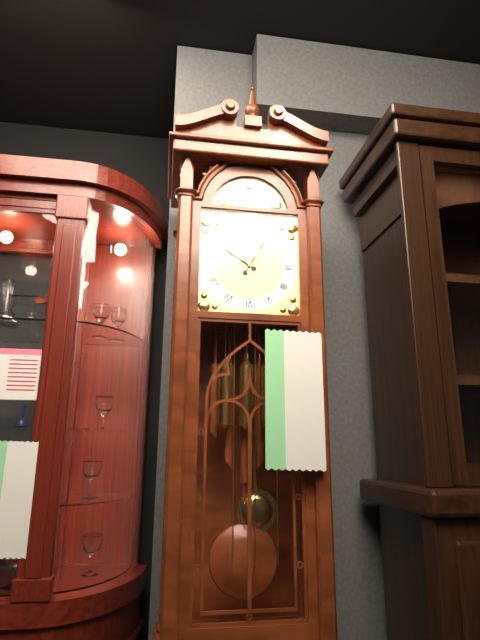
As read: 10h05
